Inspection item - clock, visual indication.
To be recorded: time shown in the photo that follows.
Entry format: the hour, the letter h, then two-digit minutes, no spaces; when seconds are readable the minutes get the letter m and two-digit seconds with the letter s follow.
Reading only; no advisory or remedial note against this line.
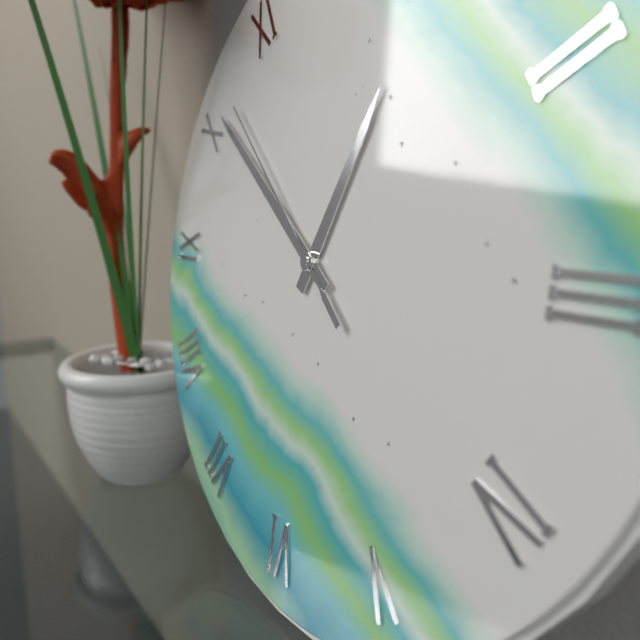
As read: 12h51m52s
